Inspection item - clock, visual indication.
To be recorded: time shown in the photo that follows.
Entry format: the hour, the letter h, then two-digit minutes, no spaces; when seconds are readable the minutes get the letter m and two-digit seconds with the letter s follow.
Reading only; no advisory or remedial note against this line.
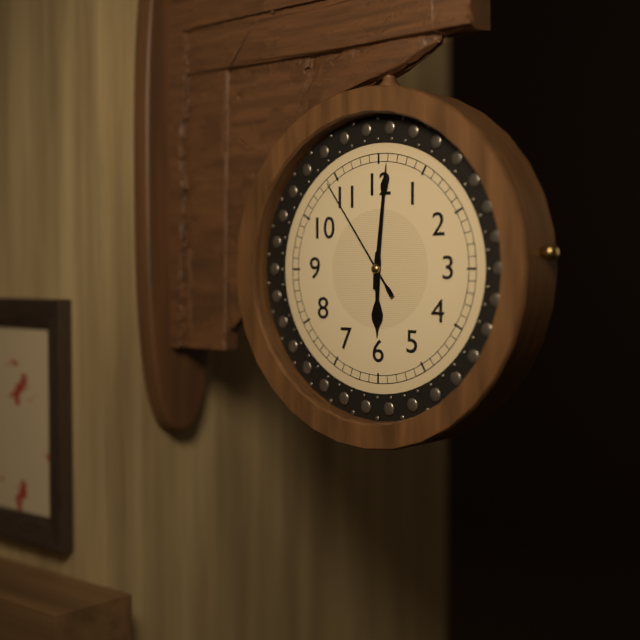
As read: 6h01m54s
